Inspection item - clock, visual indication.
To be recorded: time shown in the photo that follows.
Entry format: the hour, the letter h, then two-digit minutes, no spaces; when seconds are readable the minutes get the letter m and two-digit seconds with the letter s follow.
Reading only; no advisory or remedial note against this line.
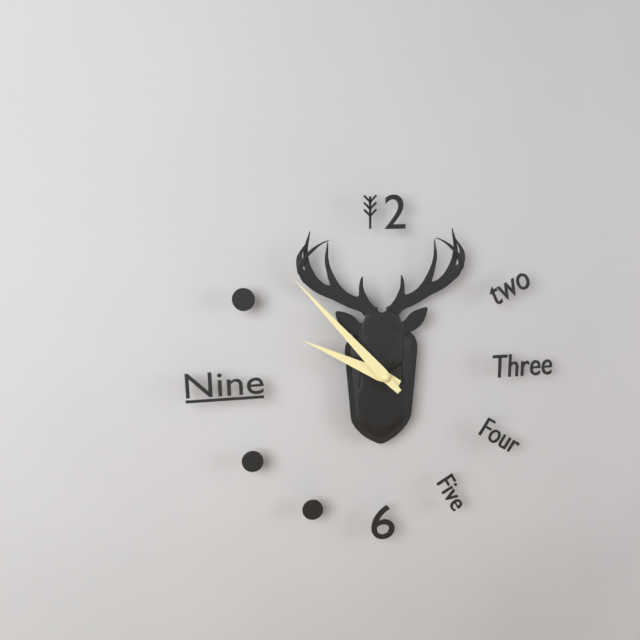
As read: 9h53
